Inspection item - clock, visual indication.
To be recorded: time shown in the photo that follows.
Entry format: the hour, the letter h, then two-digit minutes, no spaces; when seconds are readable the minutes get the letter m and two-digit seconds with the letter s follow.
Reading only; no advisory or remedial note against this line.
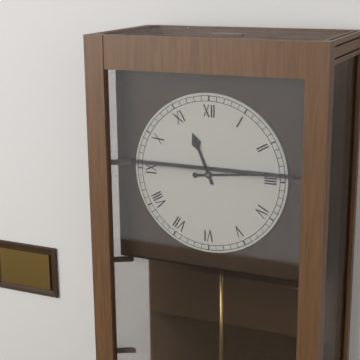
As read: 11h14
